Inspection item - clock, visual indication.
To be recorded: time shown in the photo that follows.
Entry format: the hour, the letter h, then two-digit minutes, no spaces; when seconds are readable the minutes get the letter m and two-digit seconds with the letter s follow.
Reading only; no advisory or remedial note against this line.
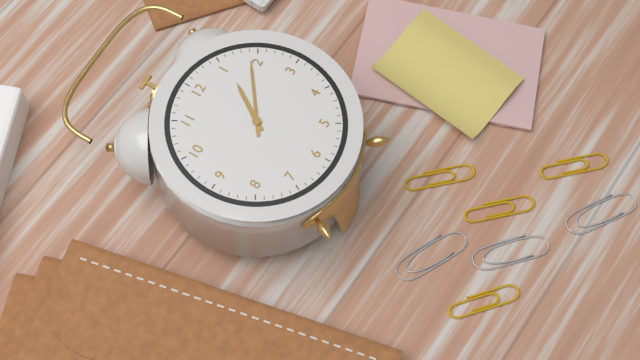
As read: 1h09
